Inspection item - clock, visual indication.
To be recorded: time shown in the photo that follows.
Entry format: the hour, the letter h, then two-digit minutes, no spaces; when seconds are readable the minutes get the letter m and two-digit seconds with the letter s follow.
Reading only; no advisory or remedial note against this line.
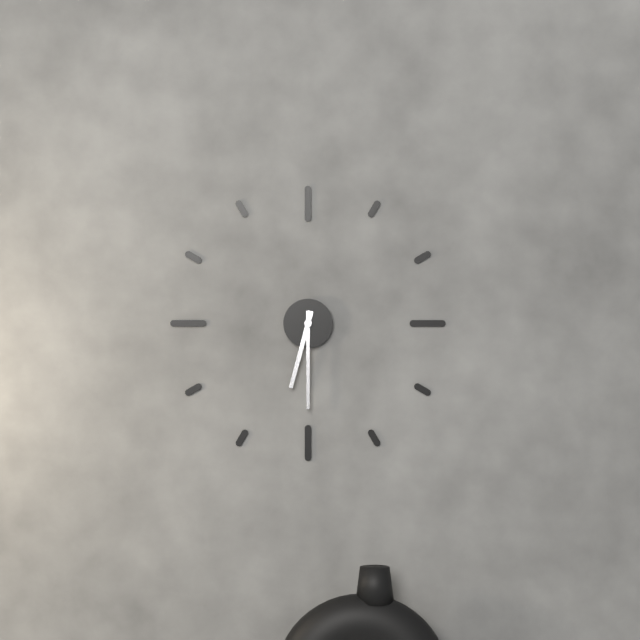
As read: 6h30
